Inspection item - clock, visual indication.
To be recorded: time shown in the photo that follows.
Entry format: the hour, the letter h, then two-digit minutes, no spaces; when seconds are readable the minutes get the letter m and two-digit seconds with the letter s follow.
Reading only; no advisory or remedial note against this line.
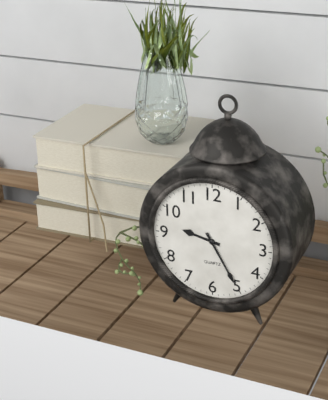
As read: 9h25
